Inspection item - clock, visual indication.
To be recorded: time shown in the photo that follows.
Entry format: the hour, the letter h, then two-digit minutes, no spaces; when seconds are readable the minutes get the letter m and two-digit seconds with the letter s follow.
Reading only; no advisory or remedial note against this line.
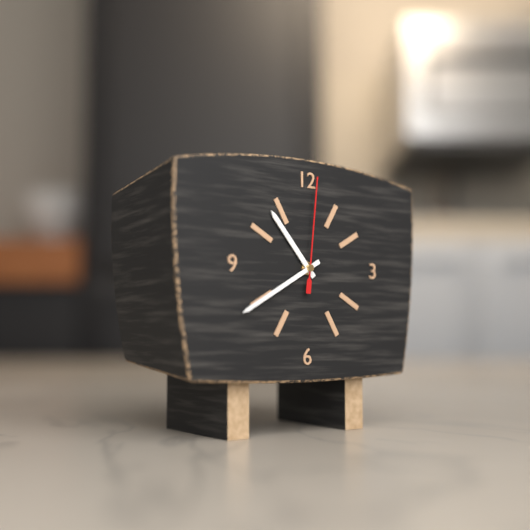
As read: 10h40m01s
